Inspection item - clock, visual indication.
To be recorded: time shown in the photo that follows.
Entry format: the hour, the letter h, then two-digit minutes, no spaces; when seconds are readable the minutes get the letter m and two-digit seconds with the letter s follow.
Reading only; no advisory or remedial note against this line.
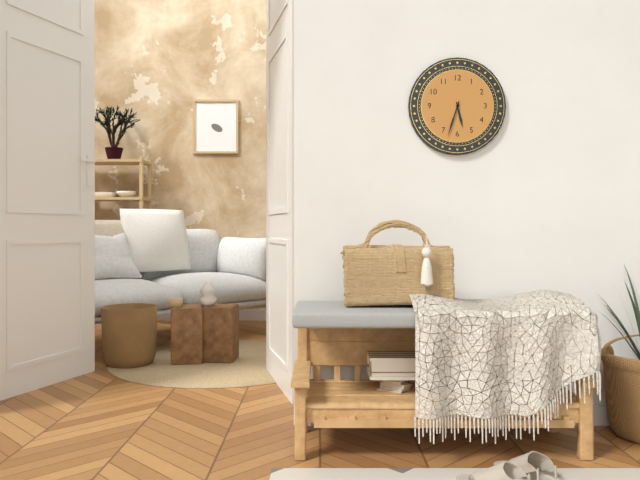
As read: 5h33
